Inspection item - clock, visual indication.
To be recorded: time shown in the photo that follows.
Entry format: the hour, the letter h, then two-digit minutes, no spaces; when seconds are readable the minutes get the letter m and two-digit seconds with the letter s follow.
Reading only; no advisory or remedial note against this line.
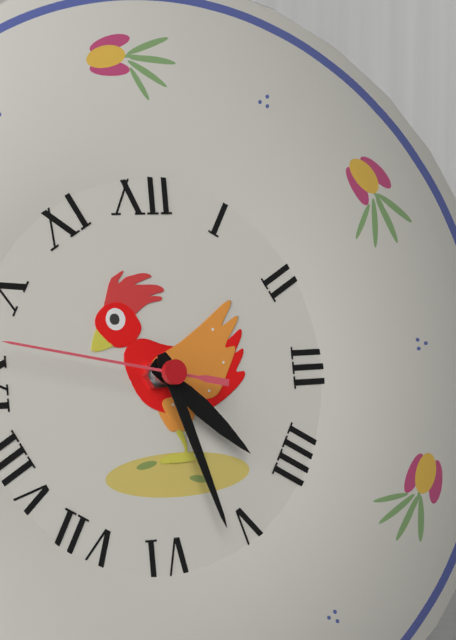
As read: 4h27m47s
